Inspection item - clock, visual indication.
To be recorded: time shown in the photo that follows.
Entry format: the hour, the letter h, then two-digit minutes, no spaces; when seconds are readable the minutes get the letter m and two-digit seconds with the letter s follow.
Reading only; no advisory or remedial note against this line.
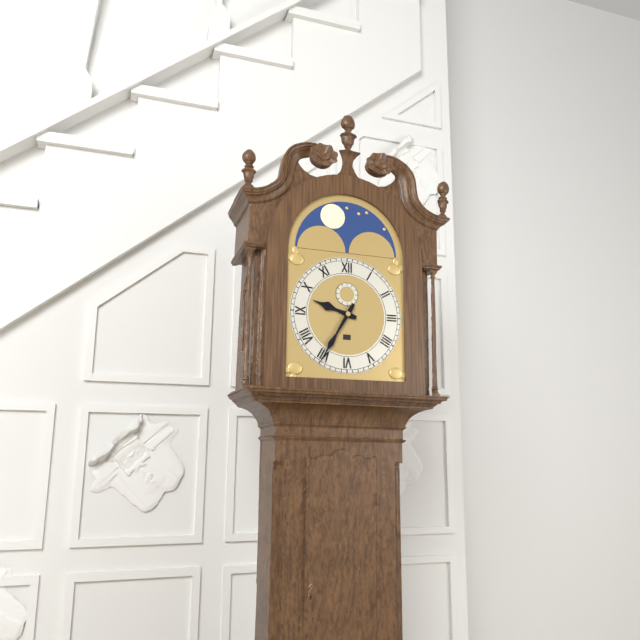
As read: 9h35
